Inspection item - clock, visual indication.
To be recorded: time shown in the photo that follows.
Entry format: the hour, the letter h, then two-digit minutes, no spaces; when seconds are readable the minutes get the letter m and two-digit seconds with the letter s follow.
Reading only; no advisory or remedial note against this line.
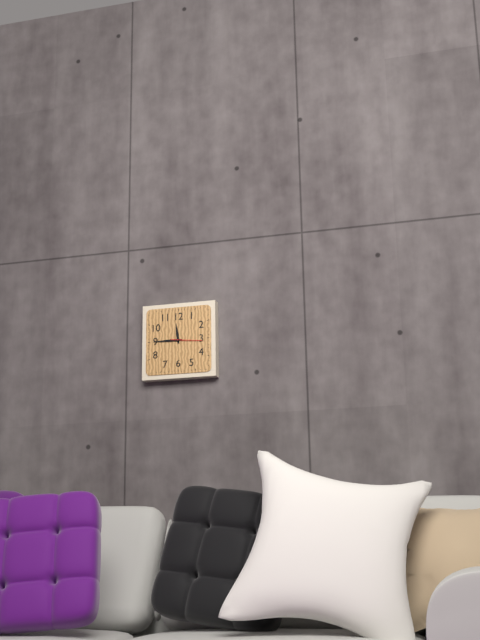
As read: 11h45
